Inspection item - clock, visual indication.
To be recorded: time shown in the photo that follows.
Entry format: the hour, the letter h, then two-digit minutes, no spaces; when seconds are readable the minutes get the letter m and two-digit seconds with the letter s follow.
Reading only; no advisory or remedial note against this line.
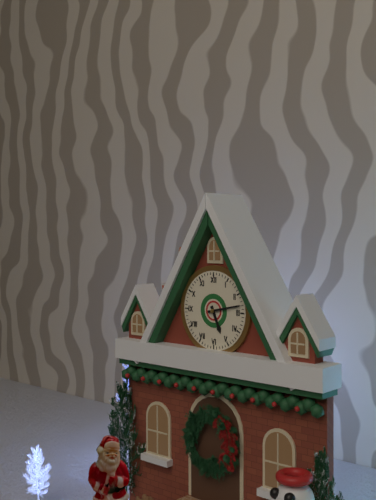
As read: 5h13
